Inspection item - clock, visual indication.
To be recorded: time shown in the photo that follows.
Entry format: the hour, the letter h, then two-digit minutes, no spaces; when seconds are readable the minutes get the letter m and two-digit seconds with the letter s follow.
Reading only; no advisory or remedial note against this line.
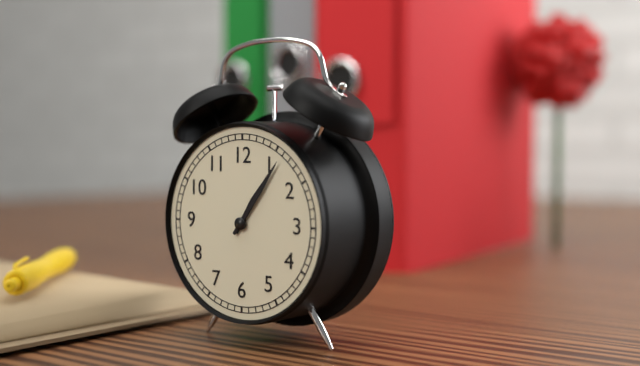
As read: 1h06
